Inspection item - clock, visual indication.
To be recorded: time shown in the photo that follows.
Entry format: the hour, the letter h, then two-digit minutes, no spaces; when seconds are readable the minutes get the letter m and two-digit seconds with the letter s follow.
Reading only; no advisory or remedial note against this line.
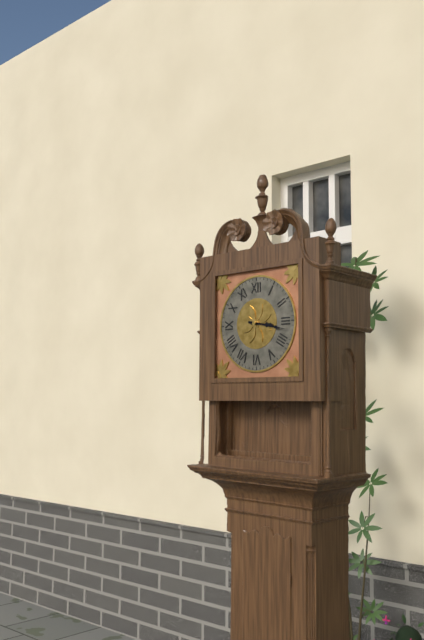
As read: 3h17
